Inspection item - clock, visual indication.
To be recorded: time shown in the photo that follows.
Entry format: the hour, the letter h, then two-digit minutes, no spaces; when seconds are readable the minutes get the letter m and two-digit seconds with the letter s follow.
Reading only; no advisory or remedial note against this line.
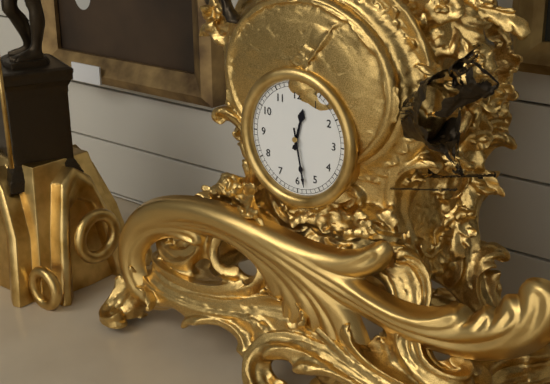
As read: 12h28
